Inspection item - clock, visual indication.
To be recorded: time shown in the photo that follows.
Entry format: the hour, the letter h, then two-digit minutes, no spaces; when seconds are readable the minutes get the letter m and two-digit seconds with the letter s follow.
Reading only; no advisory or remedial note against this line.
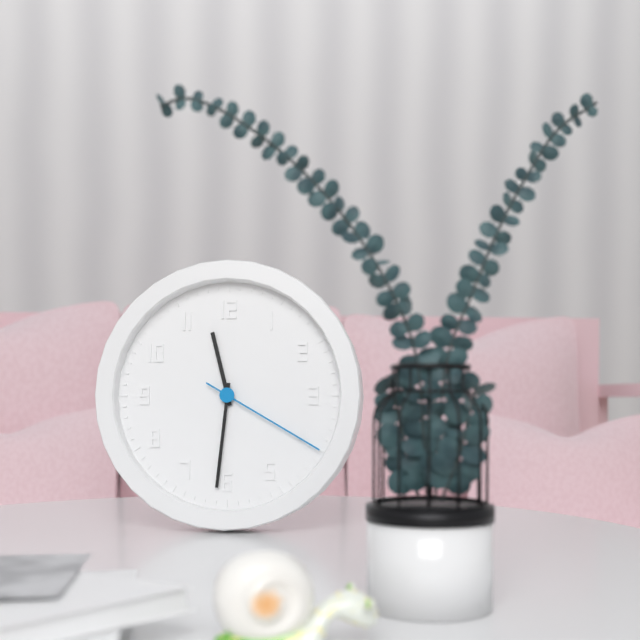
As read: 11h31m20s
